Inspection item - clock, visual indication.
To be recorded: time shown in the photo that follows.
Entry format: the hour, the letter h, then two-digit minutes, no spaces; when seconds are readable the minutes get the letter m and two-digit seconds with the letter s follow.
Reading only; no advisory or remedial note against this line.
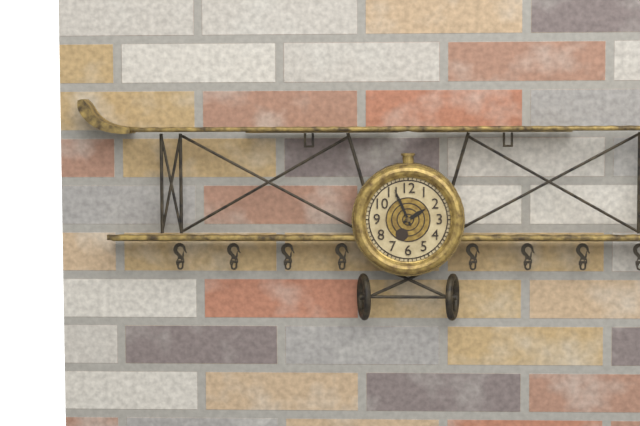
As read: 1h56
